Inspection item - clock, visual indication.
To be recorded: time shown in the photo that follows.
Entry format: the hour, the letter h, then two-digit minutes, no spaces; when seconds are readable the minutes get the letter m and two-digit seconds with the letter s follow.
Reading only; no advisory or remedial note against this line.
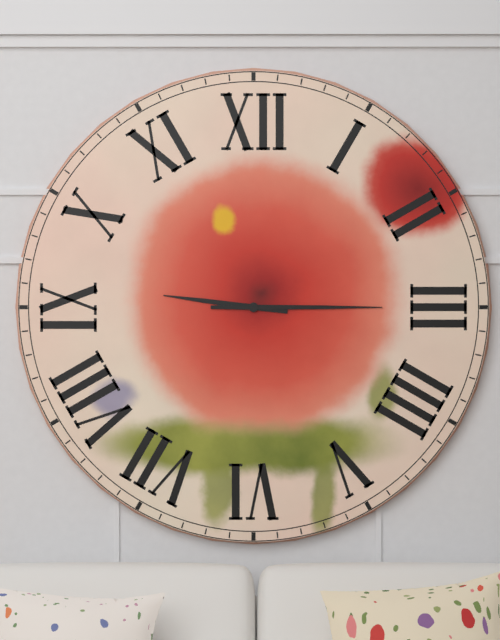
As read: 9h15
